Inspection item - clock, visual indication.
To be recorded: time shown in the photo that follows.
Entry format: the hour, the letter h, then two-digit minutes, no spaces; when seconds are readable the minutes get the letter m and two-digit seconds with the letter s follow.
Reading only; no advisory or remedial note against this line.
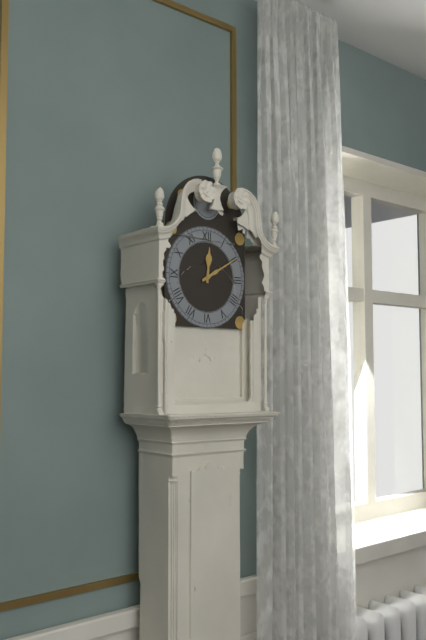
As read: 12h10
